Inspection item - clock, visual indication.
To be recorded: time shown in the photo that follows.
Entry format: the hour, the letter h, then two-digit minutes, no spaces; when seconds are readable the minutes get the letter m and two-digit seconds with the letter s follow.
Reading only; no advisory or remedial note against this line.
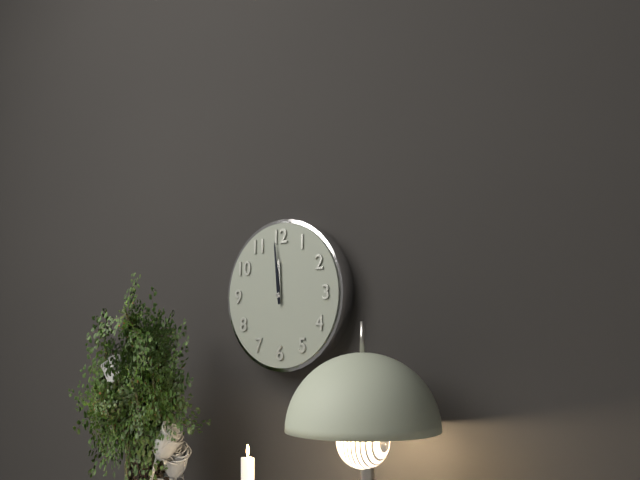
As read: 11h59
